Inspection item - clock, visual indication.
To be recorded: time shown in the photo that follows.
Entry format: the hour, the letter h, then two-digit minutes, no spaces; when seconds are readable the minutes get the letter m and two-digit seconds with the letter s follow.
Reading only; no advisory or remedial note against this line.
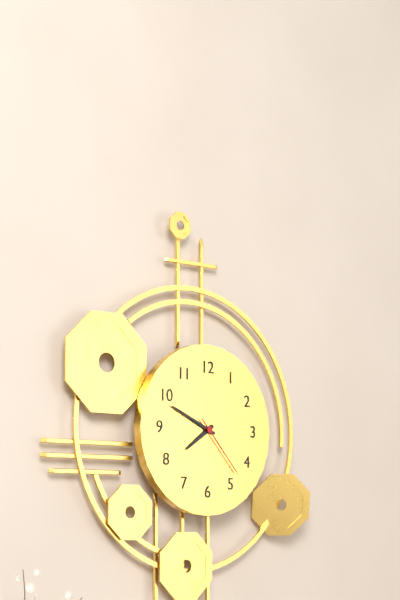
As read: 7h49m23s
